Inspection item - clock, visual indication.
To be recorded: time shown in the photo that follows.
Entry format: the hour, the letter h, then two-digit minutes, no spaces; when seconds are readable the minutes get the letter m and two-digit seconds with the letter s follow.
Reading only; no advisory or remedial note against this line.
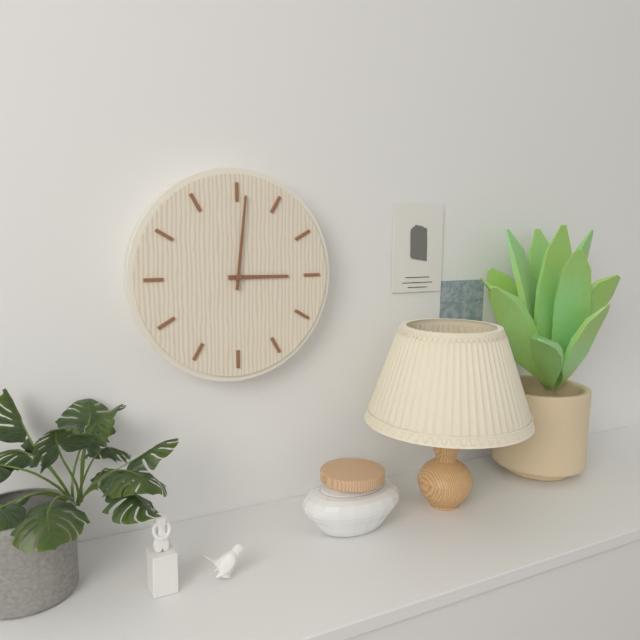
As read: 3h01
